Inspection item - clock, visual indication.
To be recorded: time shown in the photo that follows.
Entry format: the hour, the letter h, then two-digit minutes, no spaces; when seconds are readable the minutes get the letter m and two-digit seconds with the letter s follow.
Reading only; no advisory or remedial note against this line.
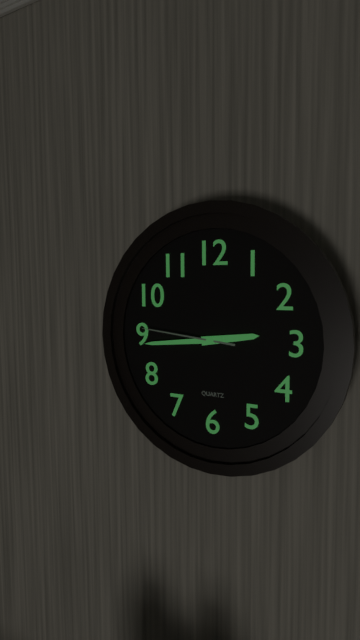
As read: 2h44m46s
